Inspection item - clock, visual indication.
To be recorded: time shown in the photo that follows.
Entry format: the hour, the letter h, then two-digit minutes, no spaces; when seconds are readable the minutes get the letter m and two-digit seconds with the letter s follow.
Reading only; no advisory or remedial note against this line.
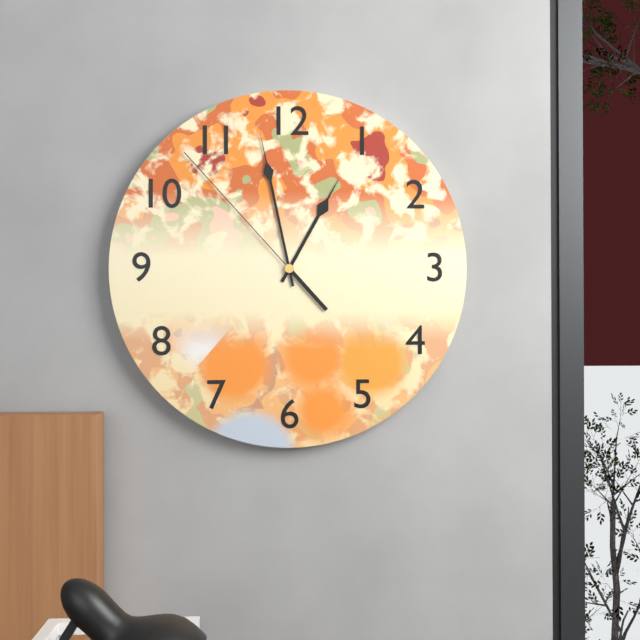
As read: 12h58m53s
